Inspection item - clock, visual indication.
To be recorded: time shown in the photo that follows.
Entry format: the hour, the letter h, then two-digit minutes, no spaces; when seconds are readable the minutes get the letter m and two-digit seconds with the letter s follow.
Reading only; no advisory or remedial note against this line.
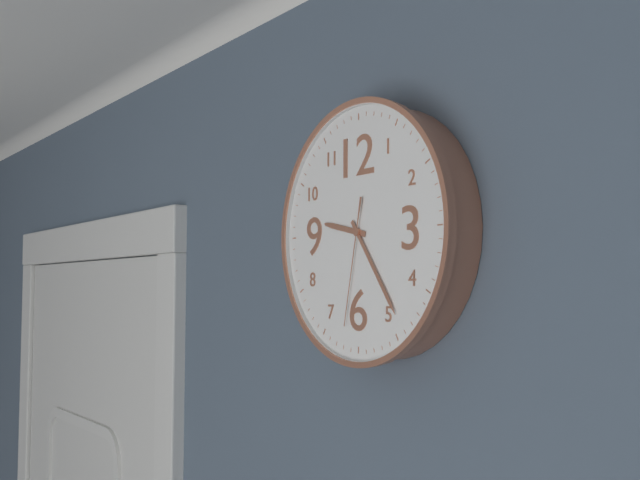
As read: 9h24m32s
